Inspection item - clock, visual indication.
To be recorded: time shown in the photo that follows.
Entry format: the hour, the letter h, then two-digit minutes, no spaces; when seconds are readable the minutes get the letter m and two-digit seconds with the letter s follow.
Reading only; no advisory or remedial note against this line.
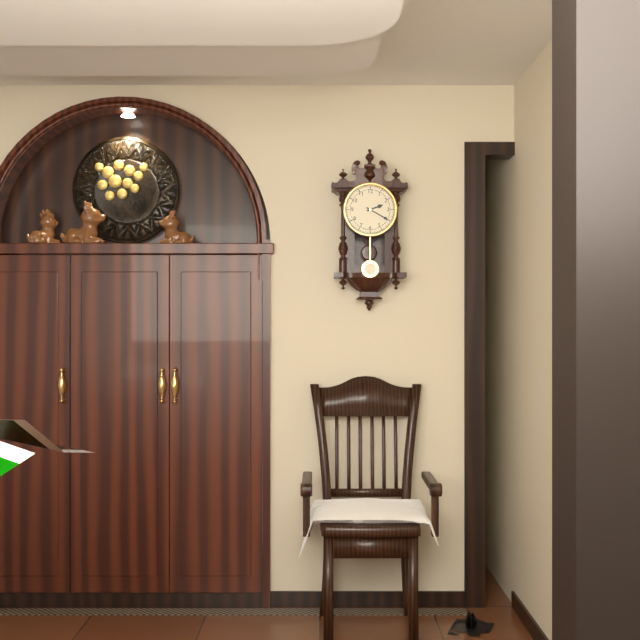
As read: 2h20
